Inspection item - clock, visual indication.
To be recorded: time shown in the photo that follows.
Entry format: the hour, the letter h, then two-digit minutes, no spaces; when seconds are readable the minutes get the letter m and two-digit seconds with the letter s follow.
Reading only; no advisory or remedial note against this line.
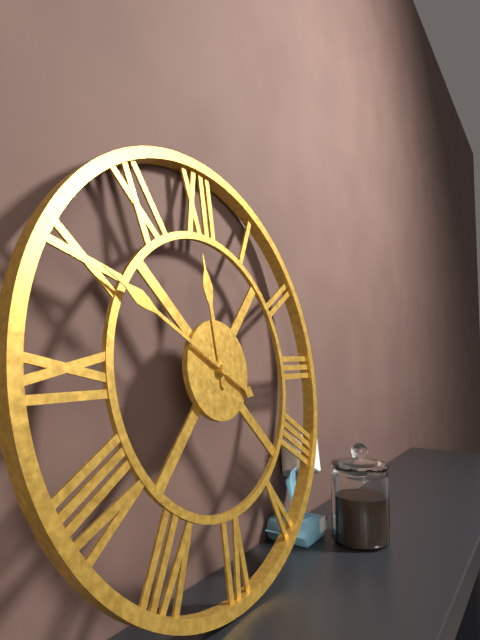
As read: 11h50
